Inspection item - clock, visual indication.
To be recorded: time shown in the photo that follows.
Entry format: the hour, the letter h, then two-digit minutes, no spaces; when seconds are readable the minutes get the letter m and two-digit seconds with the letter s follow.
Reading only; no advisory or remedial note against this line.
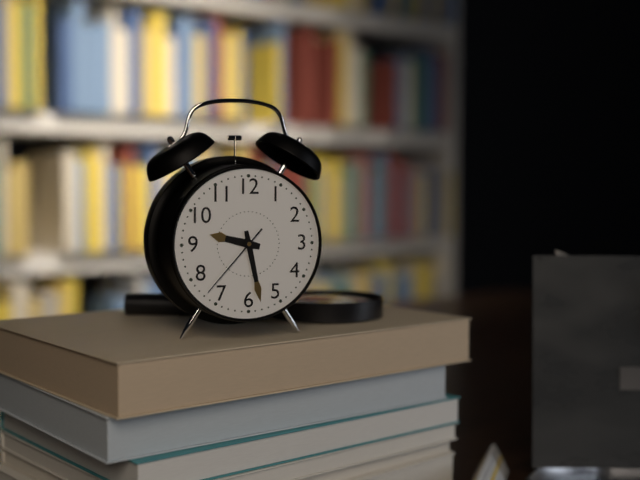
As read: 9h28m37s
